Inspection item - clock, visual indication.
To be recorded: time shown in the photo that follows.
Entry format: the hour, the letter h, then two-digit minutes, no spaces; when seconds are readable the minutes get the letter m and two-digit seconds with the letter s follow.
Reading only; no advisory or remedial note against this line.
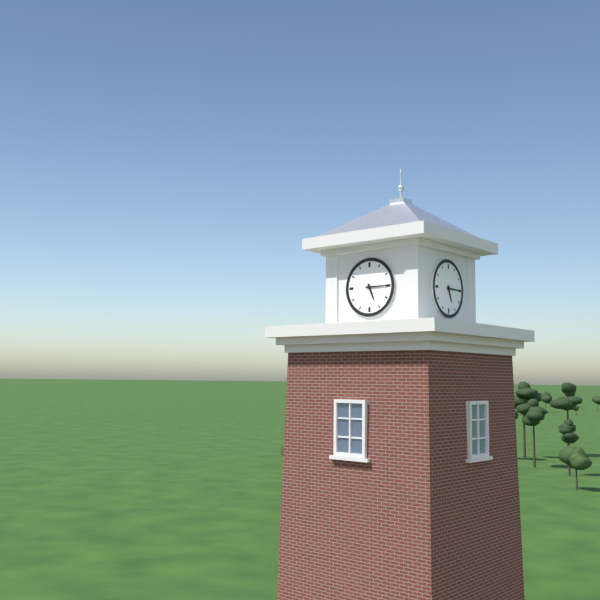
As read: 5h15
